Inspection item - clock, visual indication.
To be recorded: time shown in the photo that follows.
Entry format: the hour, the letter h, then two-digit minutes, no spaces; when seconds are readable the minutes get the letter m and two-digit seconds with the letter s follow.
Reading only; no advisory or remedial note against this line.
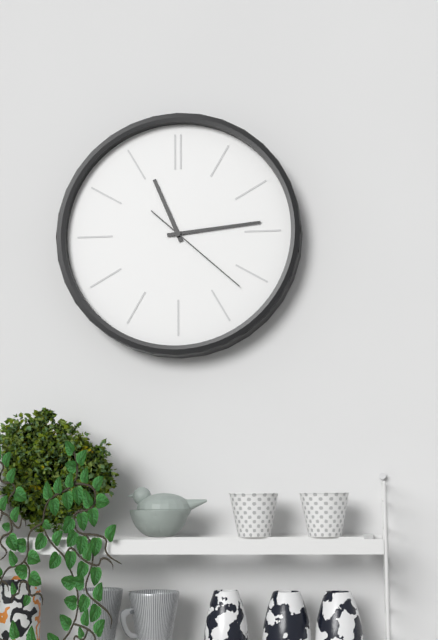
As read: 11h14m22s
